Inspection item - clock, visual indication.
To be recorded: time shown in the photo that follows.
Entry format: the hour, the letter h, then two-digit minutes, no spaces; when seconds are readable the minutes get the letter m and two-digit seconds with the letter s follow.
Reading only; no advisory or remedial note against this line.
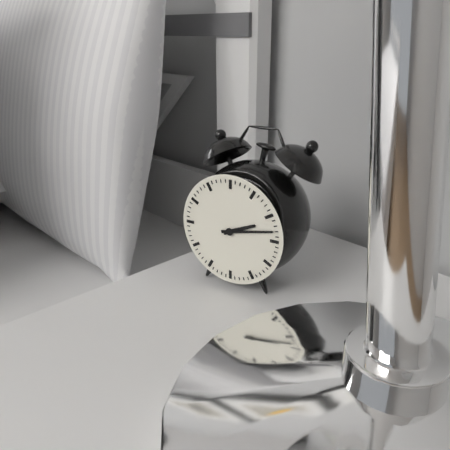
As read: 2h13
